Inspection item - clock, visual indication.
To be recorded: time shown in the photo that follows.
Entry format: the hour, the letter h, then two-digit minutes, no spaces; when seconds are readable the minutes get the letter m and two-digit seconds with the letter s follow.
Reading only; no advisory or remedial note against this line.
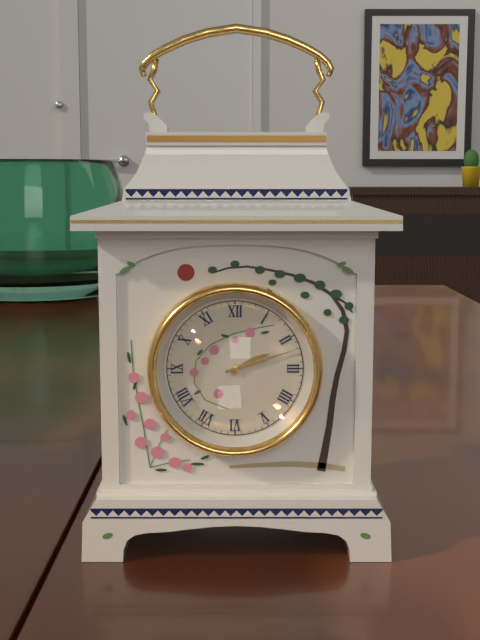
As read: 2h12
